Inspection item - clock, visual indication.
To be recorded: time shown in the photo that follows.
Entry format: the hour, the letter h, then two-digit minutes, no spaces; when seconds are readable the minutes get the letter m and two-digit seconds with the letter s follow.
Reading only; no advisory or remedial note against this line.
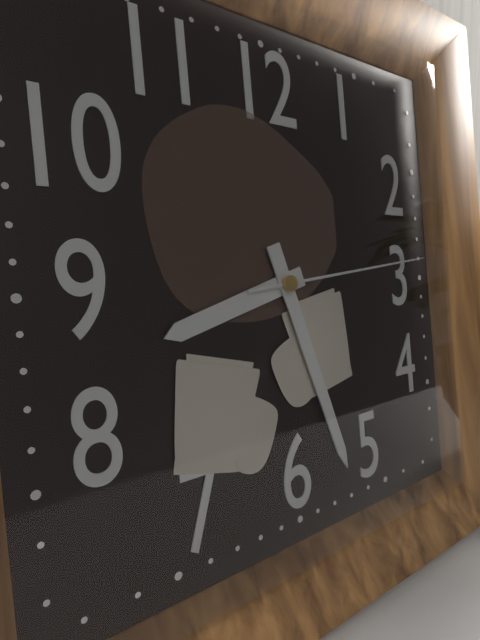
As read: 8h27m14s
